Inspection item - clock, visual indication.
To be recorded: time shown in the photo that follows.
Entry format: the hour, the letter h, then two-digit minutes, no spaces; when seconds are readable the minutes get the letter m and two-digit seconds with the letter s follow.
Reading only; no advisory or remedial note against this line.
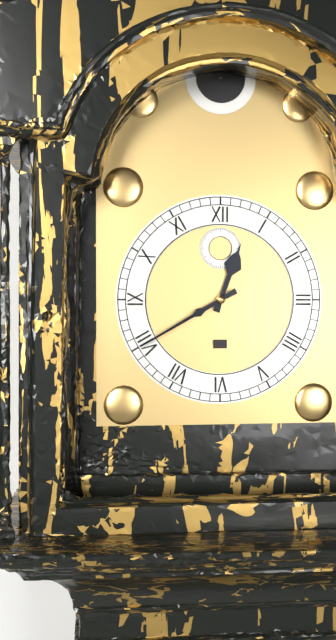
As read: 12h40
